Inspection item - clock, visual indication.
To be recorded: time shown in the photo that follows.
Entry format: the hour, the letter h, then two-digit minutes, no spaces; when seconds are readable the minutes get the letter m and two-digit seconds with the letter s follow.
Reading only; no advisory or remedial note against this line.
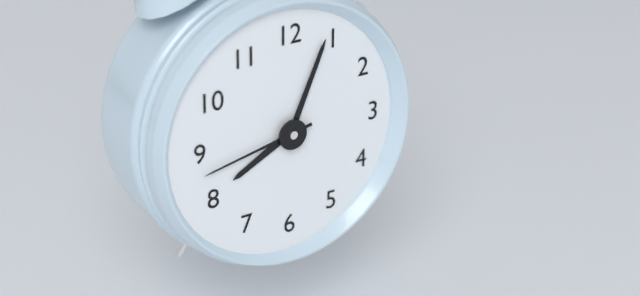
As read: 8h04m43s
